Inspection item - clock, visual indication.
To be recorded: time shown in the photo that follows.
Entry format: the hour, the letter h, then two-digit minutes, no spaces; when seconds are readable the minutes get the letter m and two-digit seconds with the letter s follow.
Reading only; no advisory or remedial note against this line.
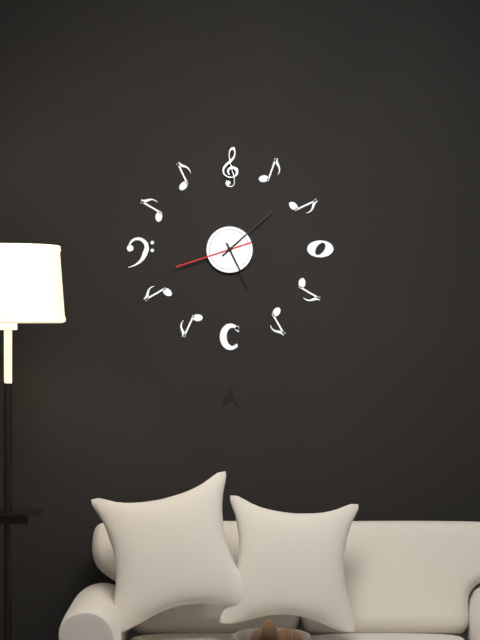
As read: 5h08m42s
